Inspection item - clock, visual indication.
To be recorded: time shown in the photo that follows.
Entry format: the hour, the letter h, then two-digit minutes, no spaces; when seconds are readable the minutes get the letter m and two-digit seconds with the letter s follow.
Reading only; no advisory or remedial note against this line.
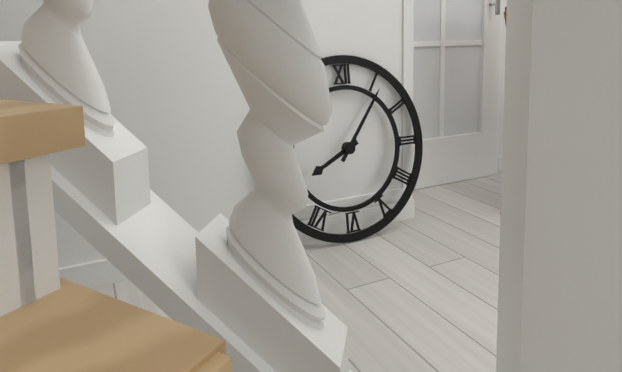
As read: 8h06
